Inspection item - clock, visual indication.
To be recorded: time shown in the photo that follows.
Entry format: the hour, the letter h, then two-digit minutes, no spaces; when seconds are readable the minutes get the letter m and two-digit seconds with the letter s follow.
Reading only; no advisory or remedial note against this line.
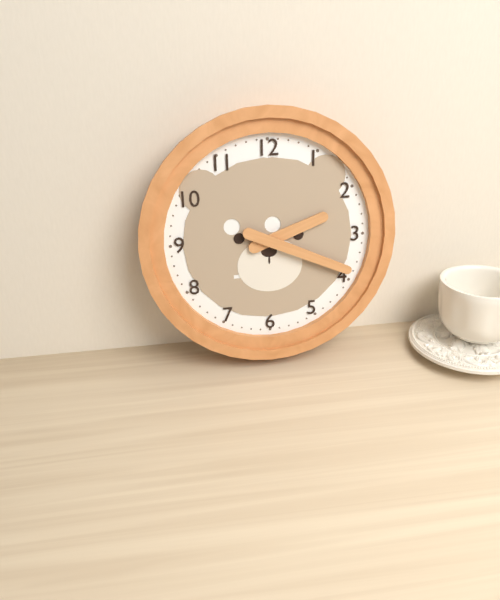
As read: 2h19
